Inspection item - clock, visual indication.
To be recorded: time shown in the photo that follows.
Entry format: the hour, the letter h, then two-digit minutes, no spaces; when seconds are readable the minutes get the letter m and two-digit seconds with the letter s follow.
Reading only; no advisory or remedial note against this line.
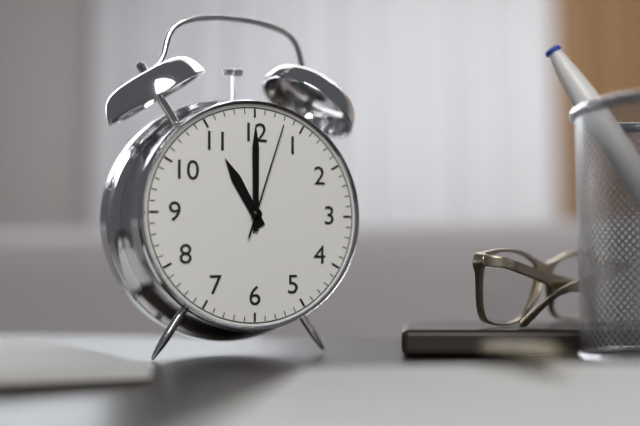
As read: 11h00m03s
